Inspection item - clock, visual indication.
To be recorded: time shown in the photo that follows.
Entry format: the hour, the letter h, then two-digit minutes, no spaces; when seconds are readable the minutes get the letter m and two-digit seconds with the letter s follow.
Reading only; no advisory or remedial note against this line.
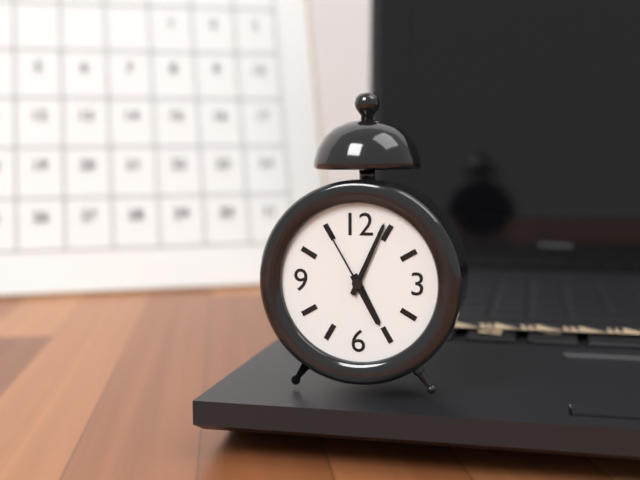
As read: 5h04m55s
